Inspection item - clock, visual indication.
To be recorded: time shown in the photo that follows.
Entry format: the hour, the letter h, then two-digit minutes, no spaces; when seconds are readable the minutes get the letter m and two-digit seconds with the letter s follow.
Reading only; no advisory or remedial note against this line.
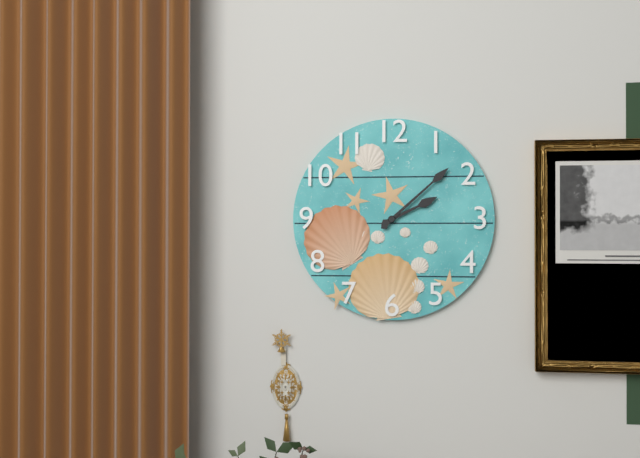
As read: 2h08
